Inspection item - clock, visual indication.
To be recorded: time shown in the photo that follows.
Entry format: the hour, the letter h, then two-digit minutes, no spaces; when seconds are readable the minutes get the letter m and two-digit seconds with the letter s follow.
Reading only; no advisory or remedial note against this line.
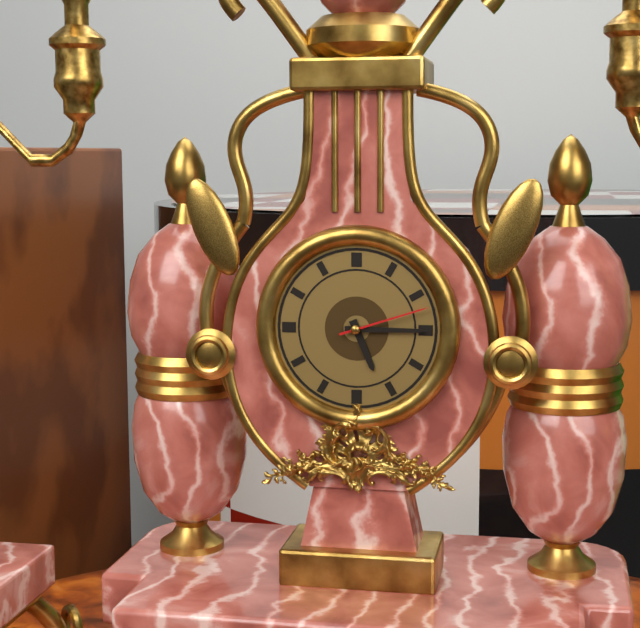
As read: 5h15m12s
